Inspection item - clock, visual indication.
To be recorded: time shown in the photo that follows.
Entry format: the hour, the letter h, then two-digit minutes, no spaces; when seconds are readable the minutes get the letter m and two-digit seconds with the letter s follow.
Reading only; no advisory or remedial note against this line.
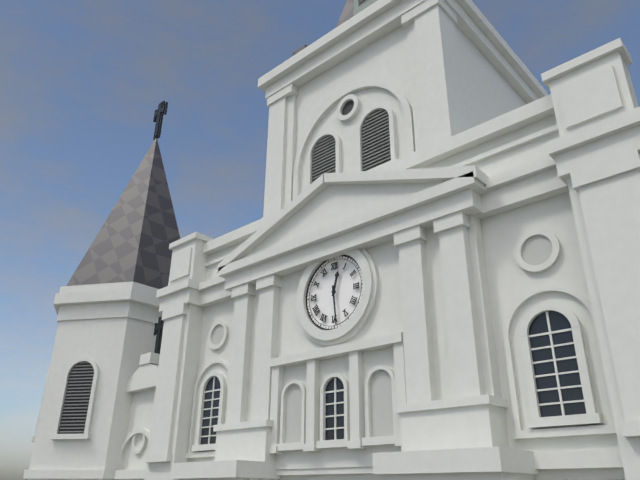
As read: 12h29
